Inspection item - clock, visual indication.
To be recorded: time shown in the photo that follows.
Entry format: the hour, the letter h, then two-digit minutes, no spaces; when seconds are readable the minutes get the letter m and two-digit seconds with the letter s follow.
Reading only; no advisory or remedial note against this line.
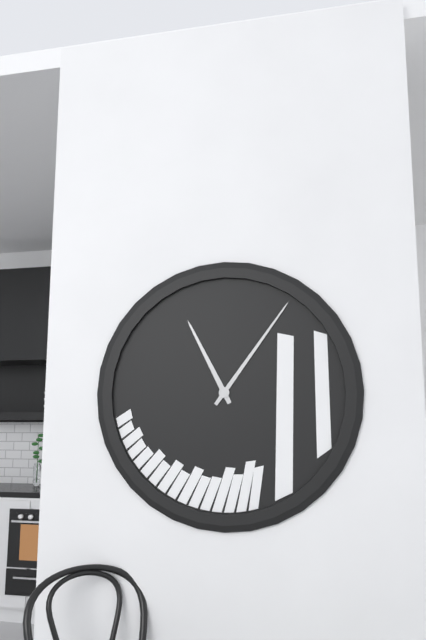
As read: 11h06
